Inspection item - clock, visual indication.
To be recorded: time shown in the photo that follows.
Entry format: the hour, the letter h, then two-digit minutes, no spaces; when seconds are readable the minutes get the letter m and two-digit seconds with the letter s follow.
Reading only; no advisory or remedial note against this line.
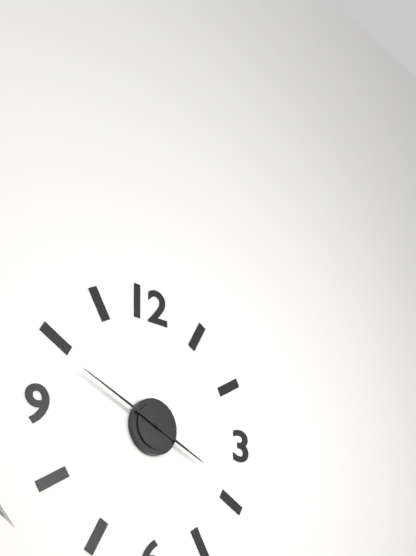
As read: 3h49
